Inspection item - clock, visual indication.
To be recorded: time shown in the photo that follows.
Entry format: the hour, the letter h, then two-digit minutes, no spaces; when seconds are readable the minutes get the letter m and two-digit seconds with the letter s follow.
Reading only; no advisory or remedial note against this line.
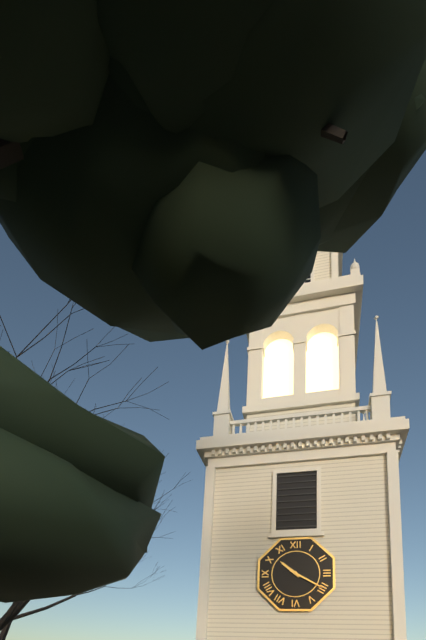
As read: 10h20
